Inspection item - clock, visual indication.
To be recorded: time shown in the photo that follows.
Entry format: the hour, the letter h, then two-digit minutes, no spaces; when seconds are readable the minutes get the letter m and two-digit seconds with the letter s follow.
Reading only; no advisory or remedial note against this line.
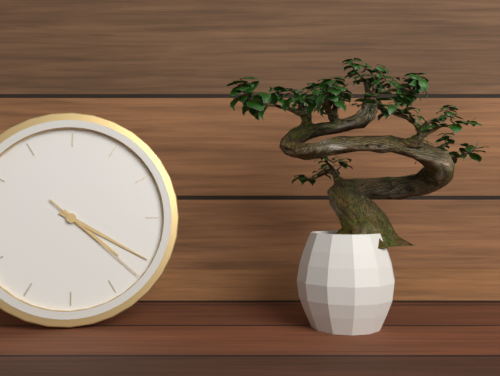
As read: 4h20m22s
